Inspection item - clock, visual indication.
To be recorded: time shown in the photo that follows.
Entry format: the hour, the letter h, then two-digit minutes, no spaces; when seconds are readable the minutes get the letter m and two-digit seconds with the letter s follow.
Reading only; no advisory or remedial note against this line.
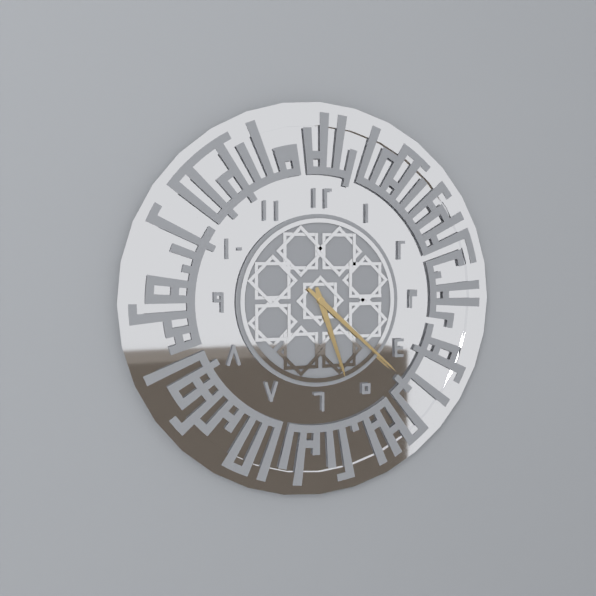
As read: 5h22
